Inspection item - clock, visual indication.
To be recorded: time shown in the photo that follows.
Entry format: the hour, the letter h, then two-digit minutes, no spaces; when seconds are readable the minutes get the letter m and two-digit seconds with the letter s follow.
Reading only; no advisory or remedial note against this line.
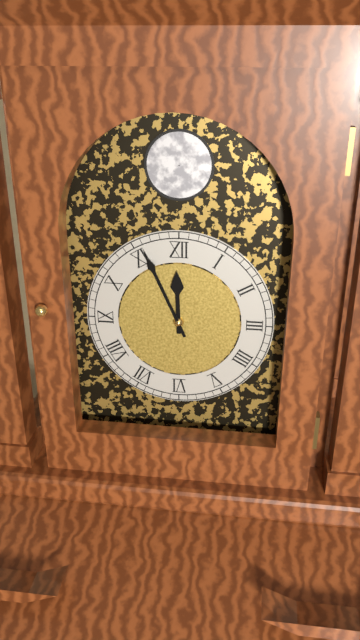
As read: 11h56
